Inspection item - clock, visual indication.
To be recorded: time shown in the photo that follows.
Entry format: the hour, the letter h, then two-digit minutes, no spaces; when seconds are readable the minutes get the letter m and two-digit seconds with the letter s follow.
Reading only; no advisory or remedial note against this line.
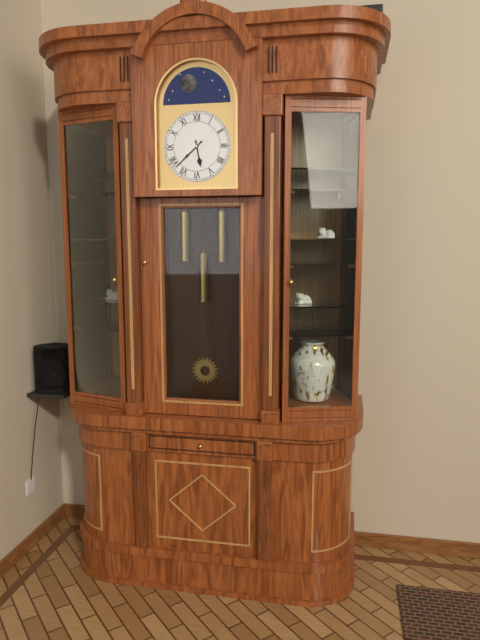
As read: 5h38
